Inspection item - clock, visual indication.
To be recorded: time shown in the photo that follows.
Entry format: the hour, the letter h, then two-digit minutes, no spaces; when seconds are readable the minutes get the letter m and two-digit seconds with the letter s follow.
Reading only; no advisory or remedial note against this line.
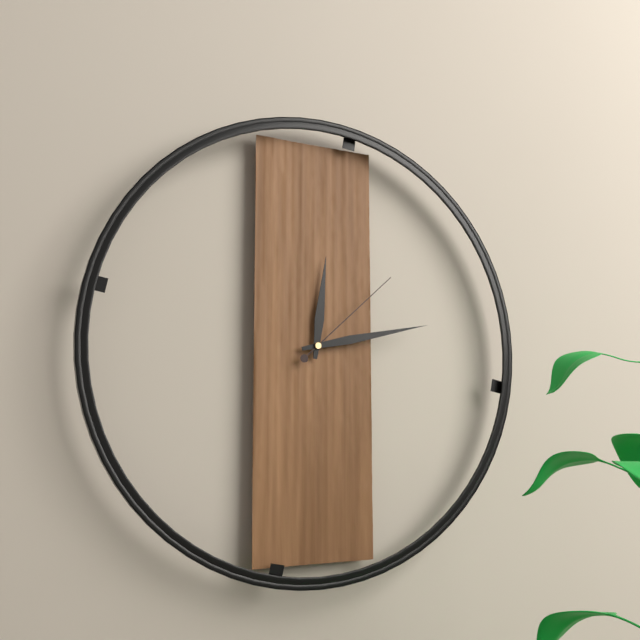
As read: 12h13m08s
